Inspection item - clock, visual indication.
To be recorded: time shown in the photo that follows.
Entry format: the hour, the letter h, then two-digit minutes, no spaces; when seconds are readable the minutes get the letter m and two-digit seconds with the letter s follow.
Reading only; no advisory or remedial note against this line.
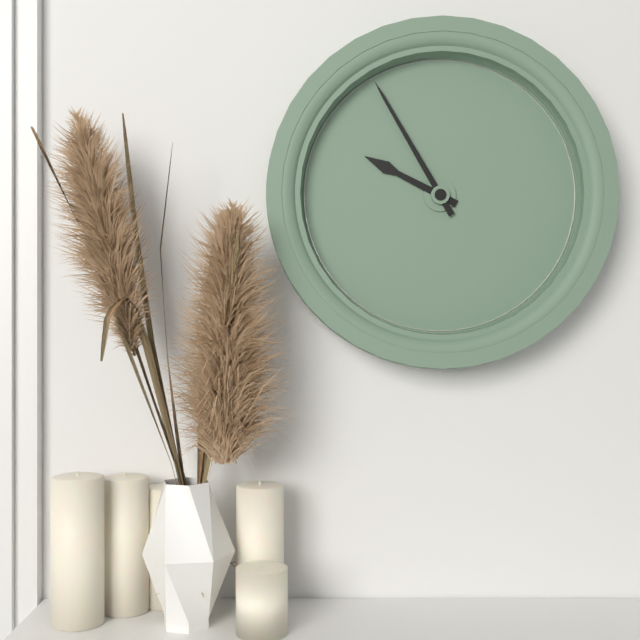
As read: 9h55
